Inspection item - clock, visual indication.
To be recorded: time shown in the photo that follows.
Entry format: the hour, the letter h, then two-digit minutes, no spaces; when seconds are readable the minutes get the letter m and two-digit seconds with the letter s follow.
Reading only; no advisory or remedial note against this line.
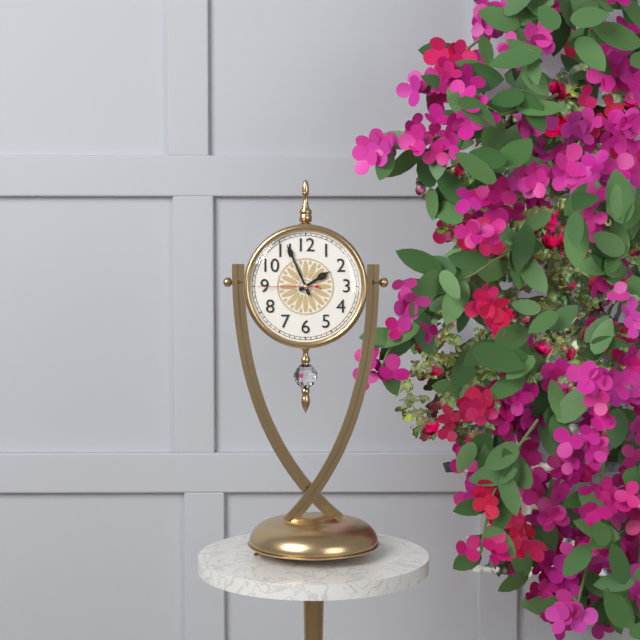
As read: 1h56m45s
